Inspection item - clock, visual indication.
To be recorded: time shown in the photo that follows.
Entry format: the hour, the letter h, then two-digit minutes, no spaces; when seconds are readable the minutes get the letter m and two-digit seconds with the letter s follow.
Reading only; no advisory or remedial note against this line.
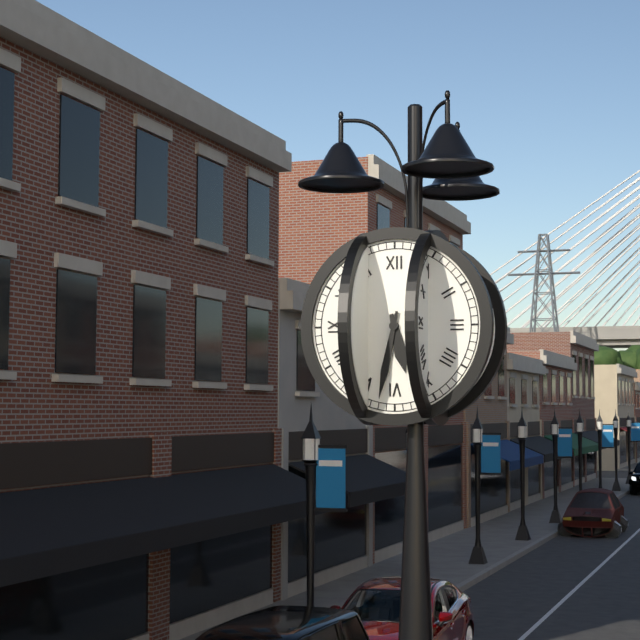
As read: 5h32
